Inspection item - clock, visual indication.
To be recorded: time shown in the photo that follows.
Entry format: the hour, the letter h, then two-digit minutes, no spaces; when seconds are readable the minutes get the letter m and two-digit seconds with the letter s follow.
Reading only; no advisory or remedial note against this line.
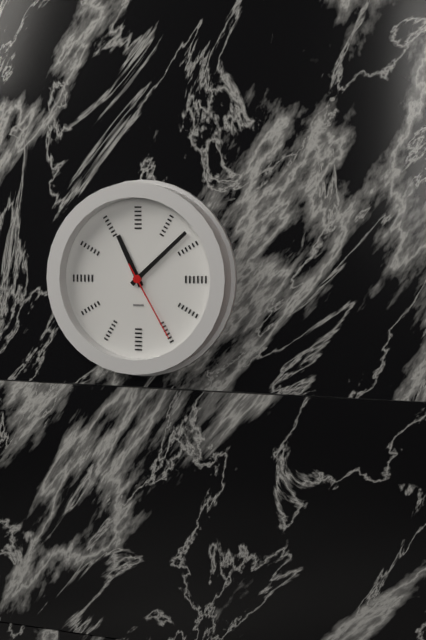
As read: 11h08m25s
